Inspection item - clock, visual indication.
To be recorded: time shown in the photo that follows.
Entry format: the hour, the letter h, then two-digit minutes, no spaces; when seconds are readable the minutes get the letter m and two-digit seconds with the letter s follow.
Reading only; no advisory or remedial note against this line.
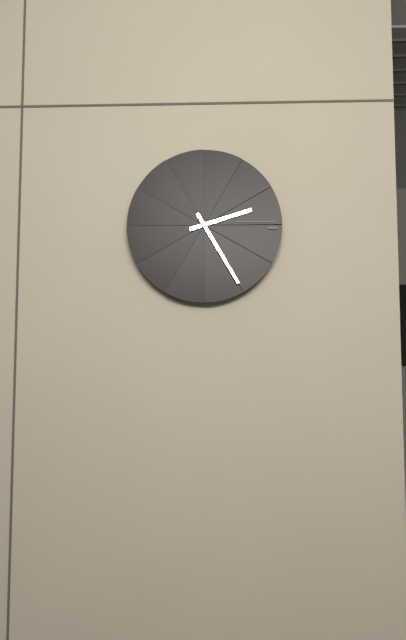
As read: 2h25
